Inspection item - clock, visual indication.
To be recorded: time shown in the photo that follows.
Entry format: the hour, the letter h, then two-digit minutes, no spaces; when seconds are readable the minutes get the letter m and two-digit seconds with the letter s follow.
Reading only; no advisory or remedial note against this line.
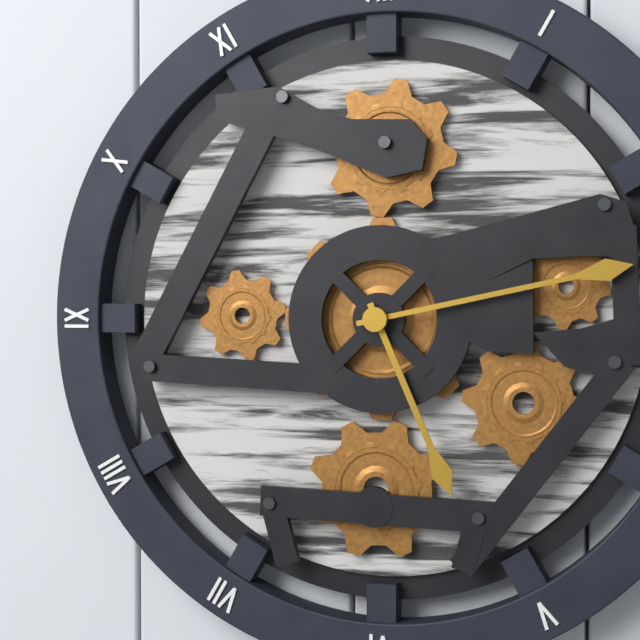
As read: 5h13
